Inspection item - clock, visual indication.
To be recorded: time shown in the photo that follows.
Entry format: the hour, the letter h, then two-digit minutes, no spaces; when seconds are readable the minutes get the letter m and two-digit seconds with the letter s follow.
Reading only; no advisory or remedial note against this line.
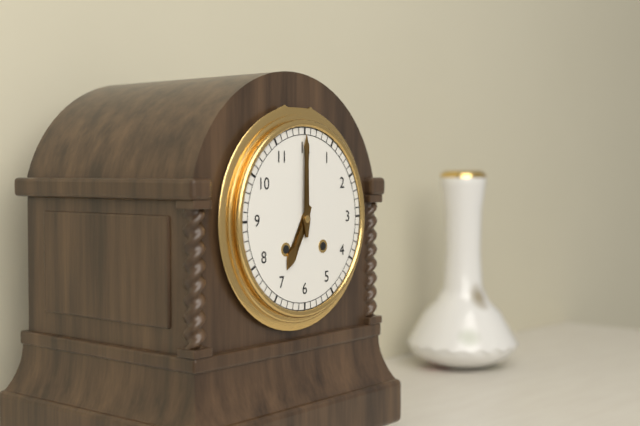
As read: 7h00
